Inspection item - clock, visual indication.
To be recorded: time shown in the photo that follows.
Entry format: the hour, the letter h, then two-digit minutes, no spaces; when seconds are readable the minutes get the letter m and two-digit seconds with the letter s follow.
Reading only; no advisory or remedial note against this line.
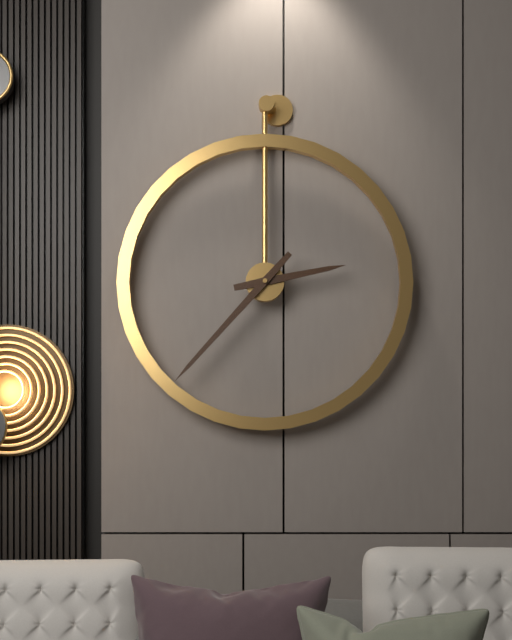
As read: 2h37
